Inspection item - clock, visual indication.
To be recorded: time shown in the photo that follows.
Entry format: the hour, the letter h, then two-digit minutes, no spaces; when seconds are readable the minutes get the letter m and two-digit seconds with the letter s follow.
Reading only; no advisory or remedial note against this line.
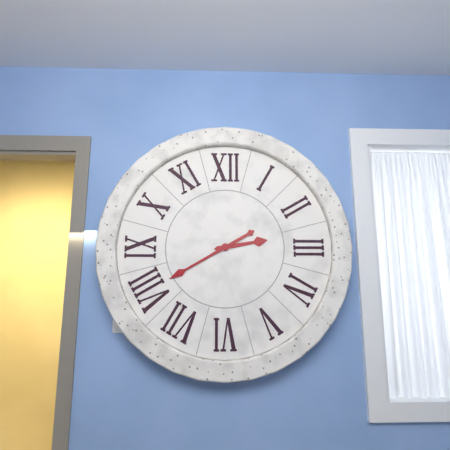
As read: 2h40
